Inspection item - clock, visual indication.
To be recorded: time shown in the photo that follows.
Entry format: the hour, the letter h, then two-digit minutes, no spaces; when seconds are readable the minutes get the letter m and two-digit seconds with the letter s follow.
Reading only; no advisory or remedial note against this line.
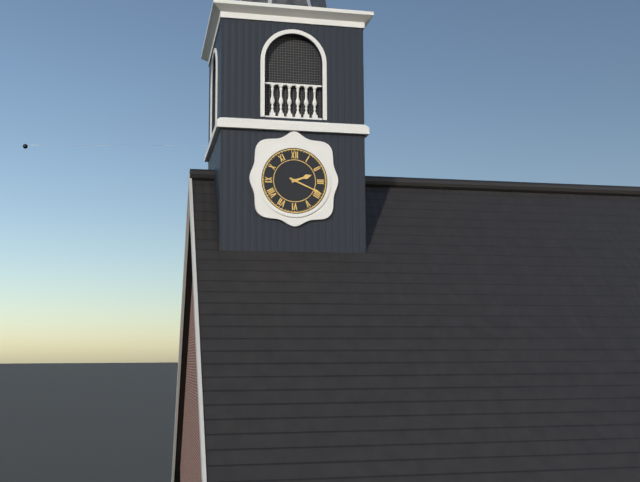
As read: 2h19
